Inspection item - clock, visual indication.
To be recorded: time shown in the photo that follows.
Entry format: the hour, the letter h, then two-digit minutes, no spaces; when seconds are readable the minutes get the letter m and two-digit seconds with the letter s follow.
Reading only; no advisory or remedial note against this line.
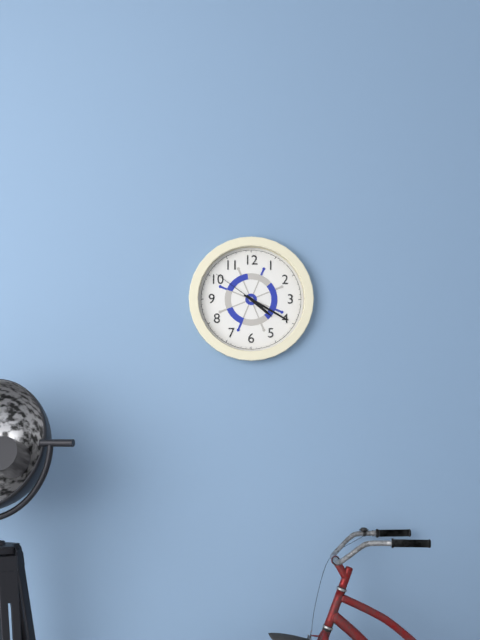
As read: 4h20m51s
